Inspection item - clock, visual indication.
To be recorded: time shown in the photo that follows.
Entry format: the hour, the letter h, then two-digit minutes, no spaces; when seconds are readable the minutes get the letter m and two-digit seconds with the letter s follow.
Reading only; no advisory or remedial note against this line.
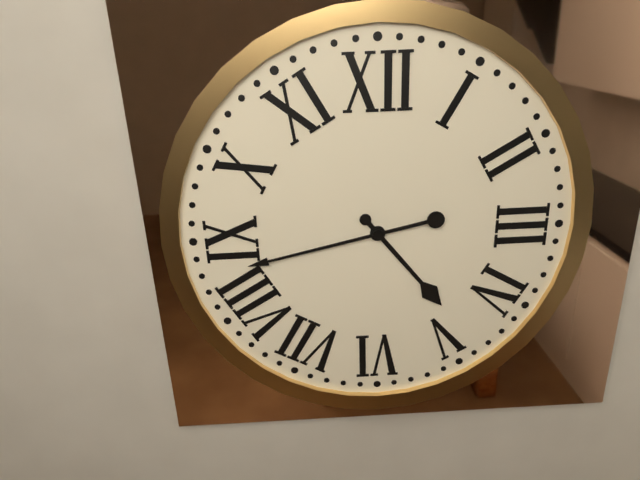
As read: 4h43
